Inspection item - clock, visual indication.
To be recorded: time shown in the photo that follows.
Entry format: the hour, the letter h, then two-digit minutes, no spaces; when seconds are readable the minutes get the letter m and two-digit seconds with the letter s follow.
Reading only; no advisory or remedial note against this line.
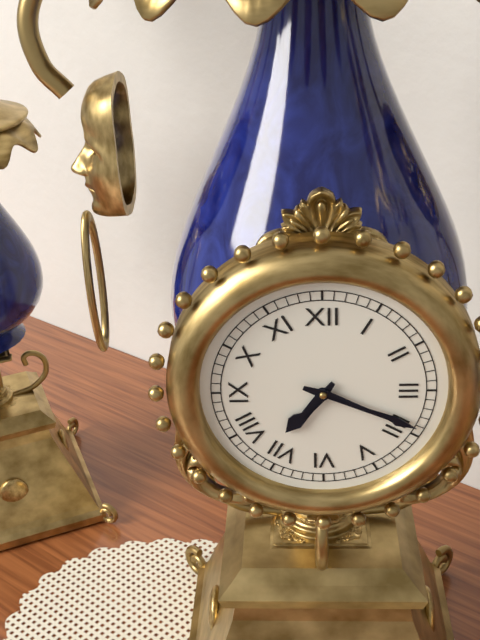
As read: 7h19
